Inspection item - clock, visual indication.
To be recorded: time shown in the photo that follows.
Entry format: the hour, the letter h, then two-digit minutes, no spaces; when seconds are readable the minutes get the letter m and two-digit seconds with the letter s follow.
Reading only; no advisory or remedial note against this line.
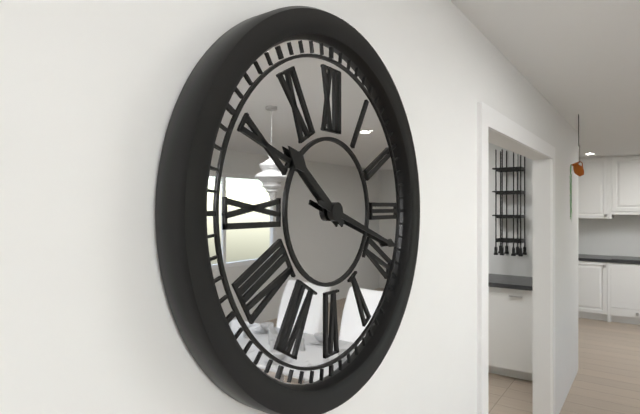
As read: 10h18
